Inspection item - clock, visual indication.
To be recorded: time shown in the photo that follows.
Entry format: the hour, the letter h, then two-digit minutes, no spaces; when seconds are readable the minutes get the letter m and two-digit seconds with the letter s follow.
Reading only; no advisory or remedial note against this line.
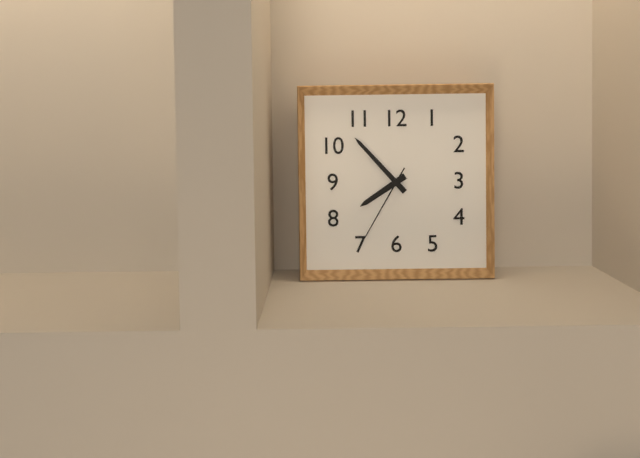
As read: 7h53m35s
